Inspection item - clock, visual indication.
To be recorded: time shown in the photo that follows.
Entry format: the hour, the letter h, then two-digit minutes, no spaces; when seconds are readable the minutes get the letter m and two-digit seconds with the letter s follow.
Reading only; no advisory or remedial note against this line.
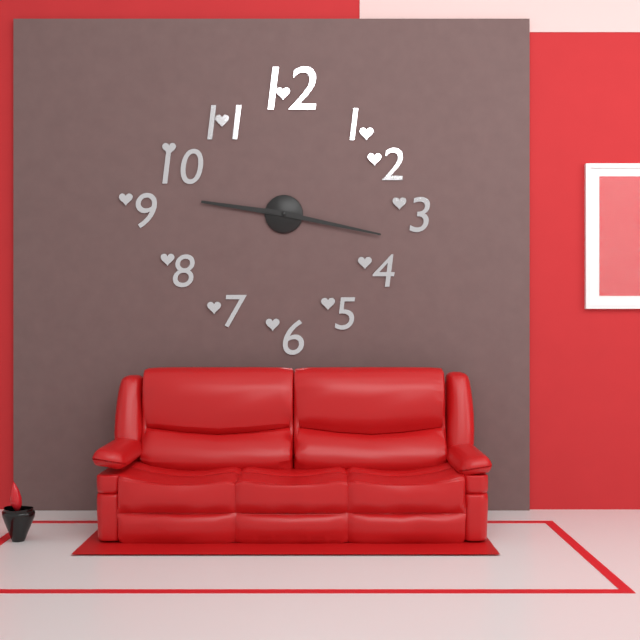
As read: 9h17
